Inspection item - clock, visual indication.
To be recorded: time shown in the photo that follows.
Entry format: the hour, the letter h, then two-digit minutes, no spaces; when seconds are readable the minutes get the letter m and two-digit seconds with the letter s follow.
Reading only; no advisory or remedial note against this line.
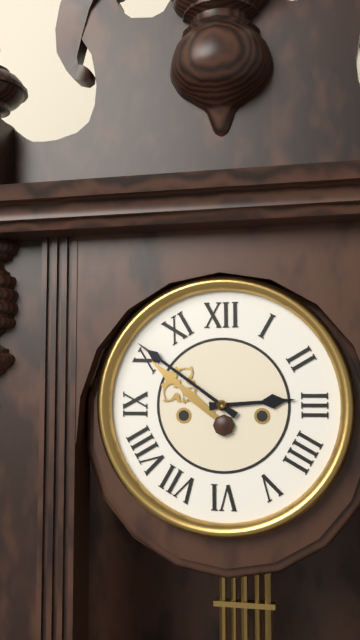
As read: 2h51
